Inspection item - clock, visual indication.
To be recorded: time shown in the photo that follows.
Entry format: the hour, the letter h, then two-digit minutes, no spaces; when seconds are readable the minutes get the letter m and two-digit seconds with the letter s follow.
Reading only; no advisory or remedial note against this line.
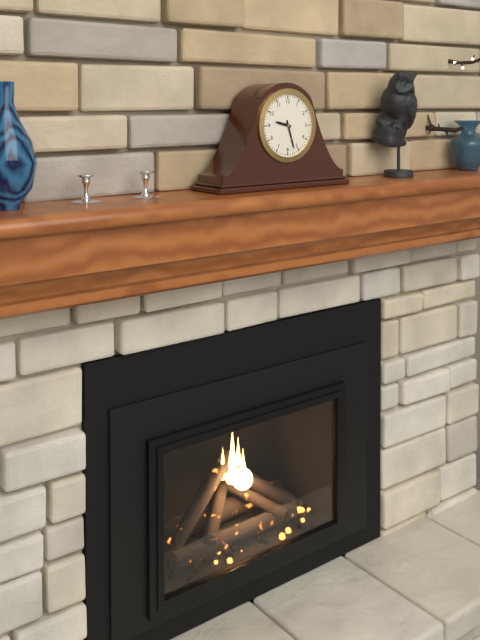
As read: 9h27
